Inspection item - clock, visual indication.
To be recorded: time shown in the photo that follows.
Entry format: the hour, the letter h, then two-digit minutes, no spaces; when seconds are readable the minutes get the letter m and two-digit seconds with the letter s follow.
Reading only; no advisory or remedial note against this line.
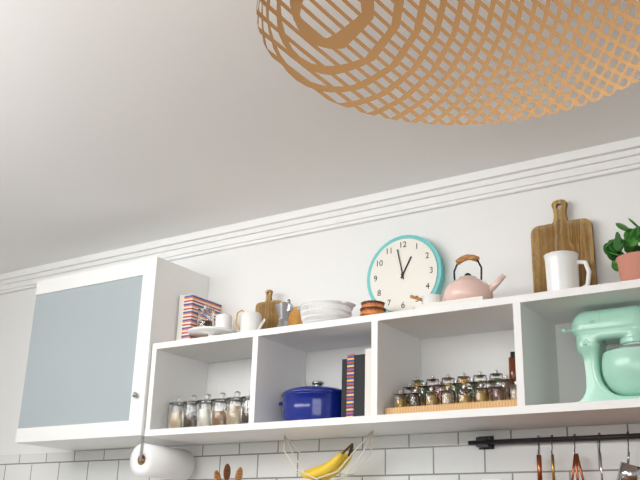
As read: 12h58
